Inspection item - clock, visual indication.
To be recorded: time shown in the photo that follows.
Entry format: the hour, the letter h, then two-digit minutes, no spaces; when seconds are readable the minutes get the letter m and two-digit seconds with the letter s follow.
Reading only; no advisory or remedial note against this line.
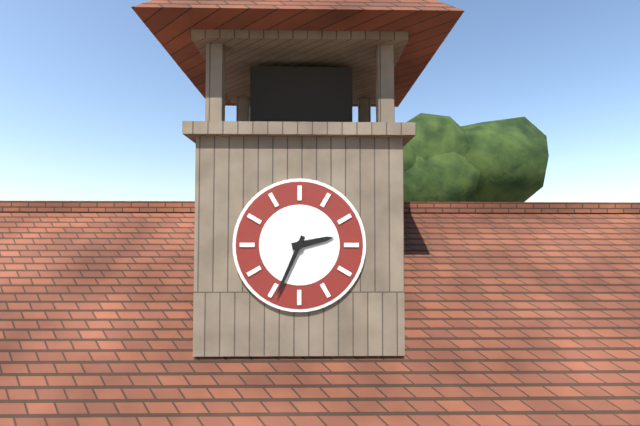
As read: 2h34
